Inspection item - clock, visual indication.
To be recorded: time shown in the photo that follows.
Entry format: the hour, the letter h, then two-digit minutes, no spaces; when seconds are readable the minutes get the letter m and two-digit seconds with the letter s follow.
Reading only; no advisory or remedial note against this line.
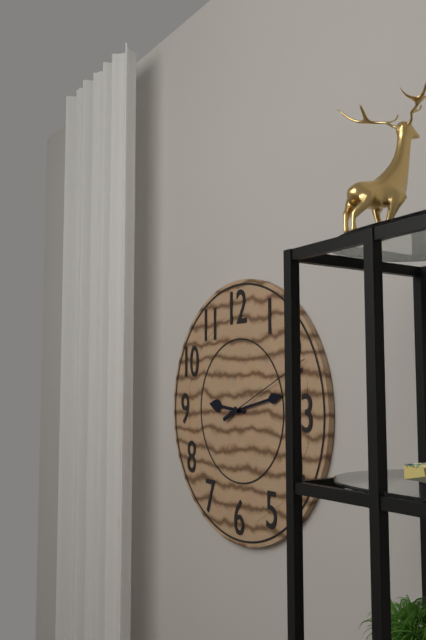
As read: 9h13m11s
